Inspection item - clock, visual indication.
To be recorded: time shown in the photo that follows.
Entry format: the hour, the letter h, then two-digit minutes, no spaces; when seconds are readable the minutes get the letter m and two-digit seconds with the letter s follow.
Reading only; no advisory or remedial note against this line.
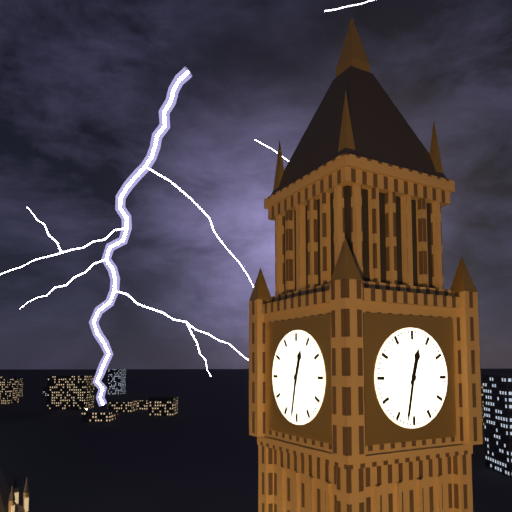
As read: 12h32
